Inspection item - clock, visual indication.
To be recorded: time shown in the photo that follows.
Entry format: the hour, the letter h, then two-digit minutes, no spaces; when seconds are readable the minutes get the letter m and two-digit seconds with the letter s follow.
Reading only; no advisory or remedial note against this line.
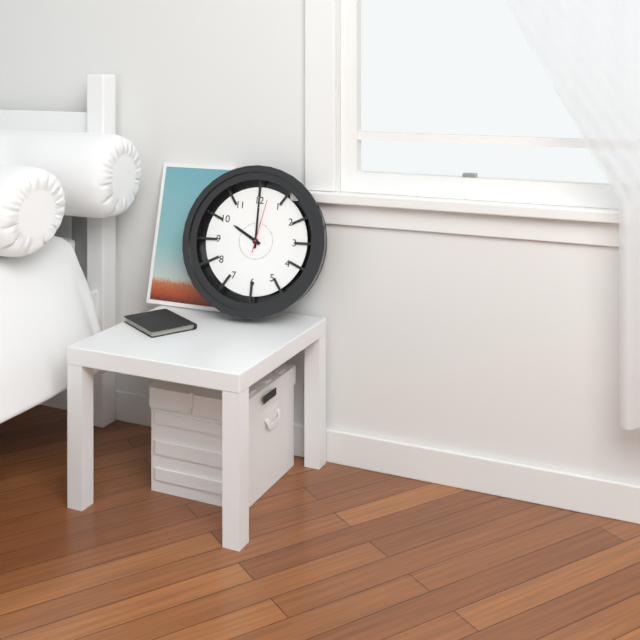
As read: 10h00m02s
